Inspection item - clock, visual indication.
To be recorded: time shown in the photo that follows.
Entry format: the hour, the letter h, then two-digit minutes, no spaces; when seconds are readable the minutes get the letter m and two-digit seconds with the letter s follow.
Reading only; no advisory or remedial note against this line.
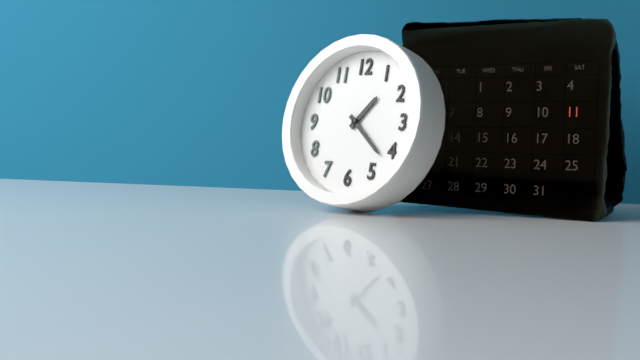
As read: 1h22
